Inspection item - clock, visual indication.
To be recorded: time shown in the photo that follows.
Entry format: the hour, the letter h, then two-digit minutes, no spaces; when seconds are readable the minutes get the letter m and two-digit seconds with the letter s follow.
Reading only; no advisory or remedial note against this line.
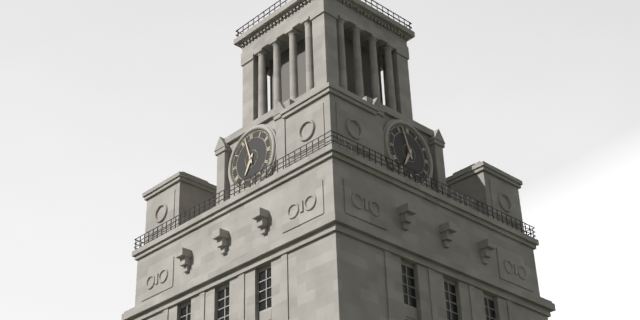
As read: 6h57
